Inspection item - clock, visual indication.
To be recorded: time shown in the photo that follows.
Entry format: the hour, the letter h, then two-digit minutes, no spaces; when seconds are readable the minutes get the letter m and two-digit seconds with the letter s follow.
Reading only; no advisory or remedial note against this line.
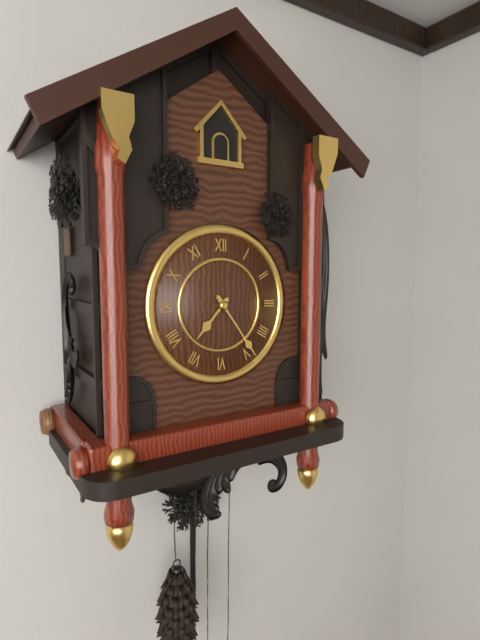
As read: 7h24
